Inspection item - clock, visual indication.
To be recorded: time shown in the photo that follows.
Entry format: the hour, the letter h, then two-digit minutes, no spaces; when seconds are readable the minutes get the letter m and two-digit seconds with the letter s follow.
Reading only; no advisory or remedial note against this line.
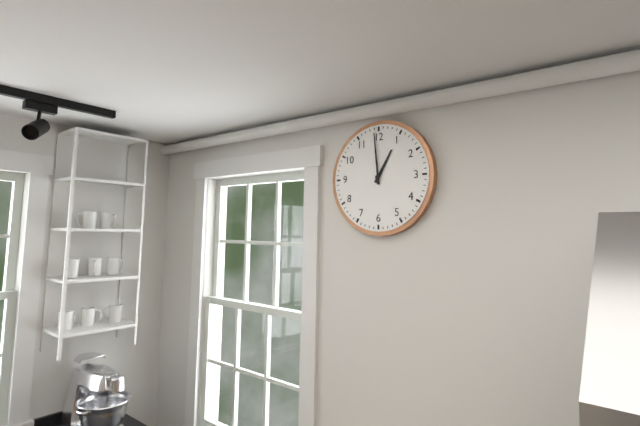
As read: 12h59
